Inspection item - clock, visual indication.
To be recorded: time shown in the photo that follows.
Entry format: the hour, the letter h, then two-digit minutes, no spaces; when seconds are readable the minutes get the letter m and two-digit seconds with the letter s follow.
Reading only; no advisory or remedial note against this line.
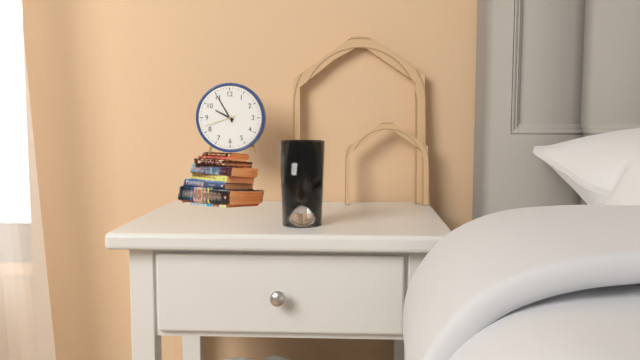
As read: 9h55
